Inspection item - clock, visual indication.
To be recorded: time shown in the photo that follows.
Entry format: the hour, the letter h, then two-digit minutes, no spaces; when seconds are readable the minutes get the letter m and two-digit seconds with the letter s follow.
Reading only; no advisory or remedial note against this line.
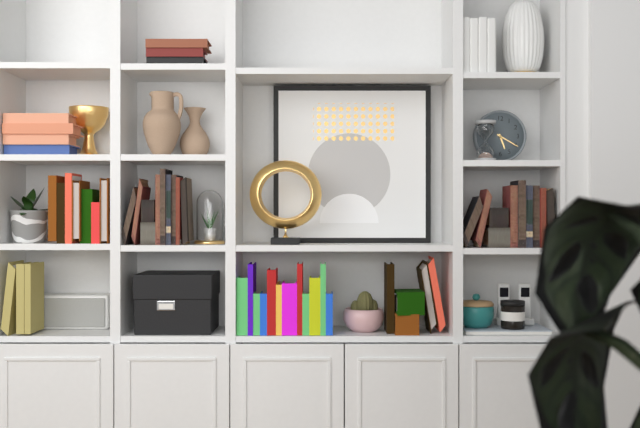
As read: 5h20
